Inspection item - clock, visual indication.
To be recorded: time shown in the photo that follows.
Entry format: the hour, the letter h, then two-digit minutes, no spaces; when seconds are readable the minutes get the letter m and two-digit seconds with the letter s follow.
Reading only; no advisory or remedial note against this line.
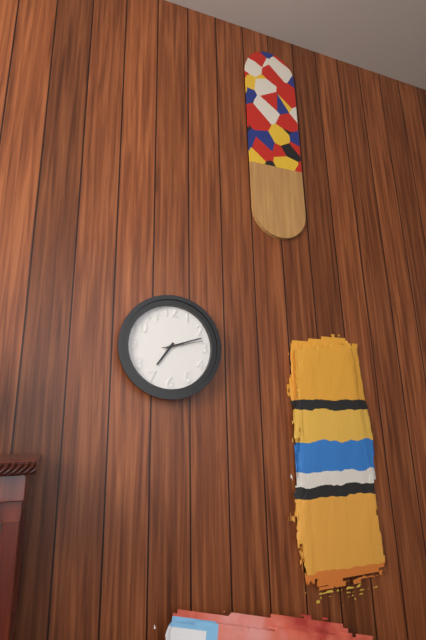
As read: 7h12
